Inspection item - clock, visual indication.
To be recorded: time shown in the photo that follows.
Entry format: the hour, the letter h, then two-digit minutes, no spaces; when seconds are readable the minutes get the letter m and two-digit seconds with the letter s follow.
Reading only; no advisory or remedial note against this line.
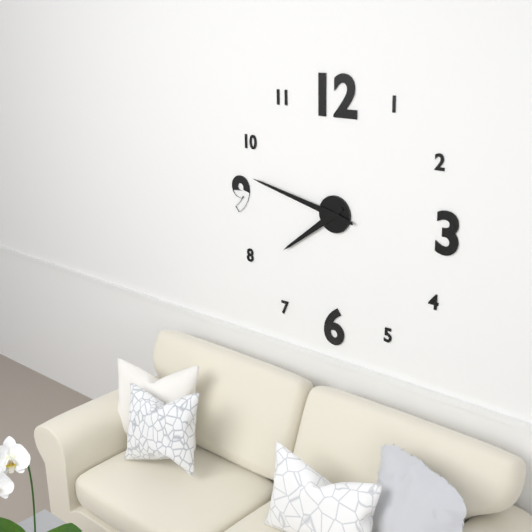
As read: 7h47
